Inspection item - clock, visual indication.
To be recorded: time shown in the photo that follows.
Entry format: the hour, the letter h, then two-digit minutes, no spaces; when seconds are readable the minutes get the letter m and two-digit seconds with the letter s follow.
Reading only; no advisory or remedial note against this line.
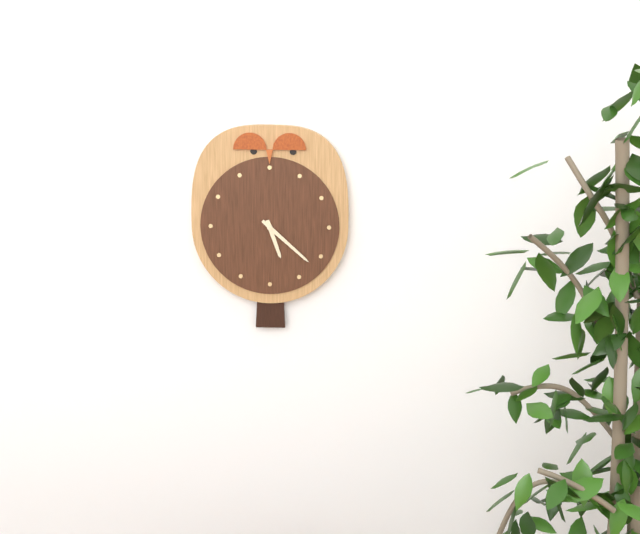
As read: 5h22
